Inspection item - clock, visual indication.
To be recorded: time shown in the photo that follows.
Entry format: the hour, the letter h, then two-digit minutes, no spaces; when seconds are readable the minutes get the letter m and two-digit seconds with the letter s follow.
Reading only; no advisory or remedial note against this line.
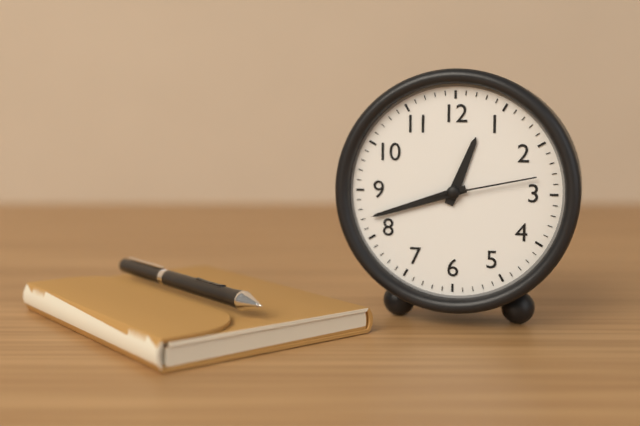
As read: 12h42m13s
